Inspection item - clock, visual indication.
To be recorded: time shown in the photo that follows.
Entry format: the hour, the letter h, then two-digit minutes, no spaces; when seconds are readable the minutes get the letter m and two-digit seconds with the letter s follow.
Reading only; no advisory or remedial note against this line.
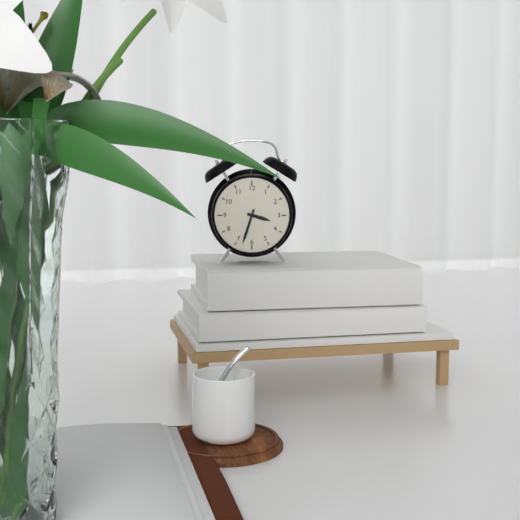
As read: 3h33
